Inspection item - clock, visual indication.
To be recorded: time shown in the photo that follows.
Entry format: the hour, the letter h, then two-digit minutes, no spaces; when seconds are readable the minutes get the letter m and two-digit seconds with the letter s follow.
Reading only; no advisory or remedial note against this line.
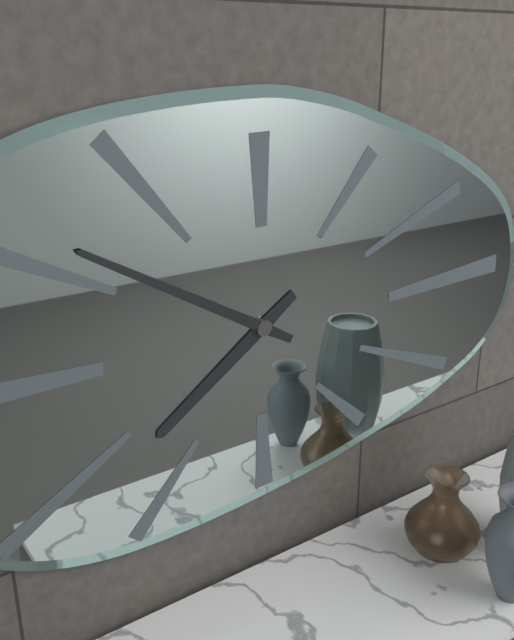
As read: 7h50
